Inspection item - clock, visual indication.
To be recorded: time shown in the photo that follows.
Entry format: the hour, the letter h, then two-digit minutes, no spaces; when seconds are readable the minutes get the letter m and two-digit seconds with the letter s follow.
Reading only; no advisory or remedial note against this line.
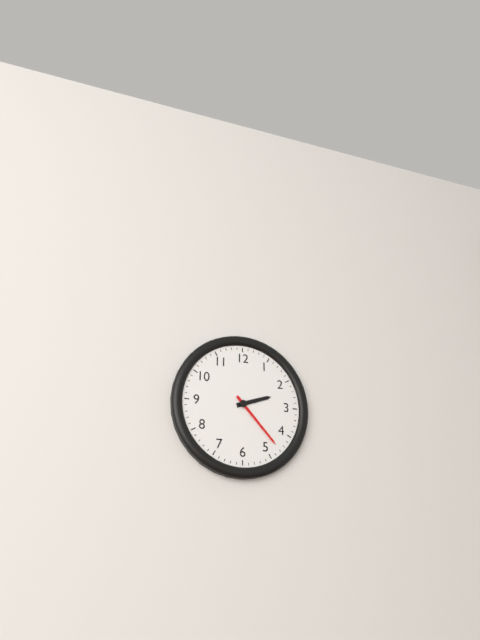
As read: 2h23
